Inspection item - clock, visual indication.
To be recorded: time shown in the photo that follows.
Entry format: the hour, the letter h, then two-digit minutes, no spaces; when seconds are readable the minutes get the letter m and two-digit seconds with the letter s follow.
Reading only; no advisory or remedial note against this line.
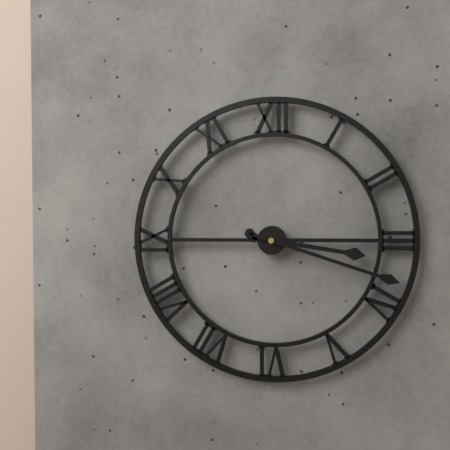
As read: 3h18
